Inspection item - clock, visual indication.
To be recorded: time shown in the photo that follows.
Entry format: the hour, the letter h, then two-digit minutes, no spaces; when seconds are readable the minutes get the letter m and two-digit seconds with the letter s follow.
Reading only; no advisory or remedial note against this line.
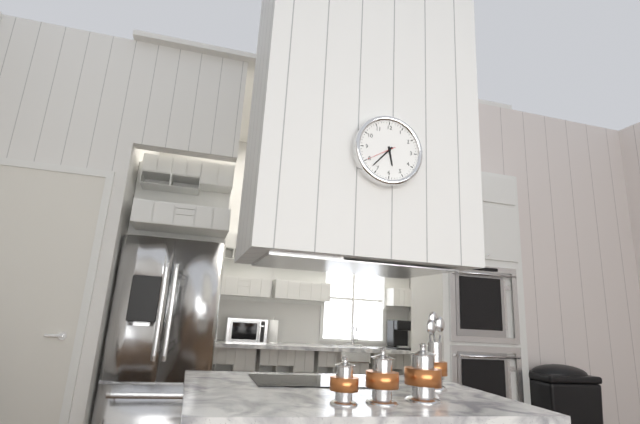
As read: 5h37
